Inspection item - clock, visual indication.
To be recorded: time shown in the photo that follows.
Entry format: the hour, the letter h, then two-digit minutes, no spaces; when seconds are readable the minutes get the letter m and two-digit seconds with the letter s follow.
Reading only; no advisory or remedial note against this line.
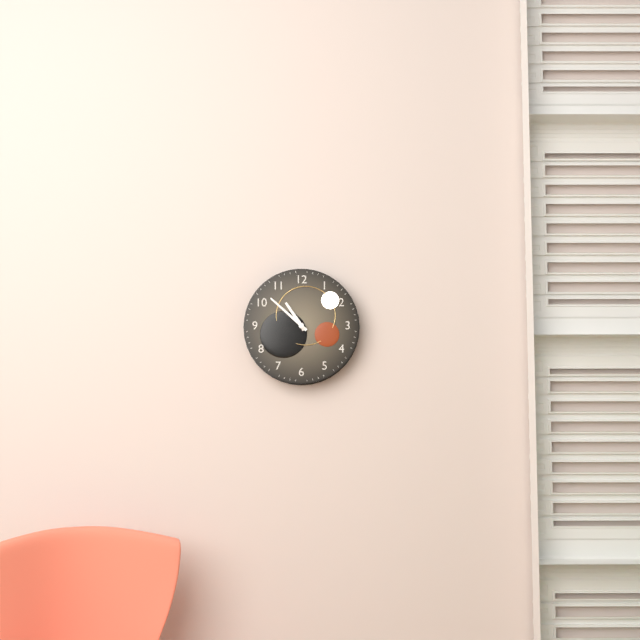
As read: 10h52
